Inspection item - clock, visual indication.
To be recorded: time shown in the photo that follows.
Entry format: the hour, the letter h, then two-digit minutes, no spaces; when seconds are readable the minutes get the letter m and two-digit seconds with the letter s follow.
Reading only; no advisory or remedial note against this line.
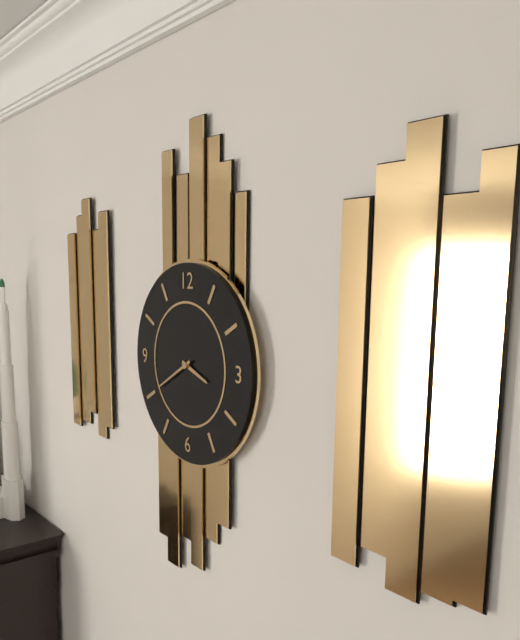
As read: 3h40
